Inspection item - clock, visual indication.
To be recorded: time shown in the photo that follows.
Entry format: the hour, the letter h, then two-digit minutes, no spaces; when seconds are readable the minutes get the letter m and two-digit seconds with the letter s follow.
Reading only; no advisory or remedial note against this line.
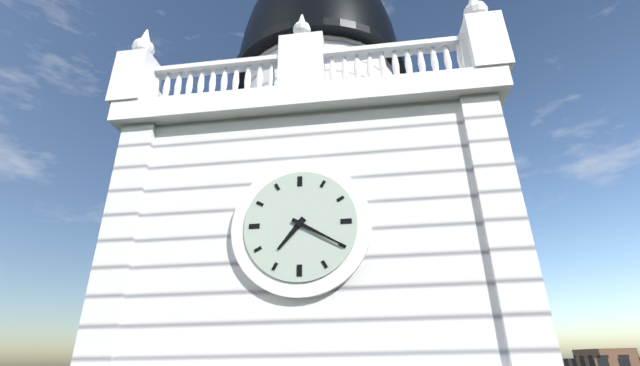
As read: 7h20
